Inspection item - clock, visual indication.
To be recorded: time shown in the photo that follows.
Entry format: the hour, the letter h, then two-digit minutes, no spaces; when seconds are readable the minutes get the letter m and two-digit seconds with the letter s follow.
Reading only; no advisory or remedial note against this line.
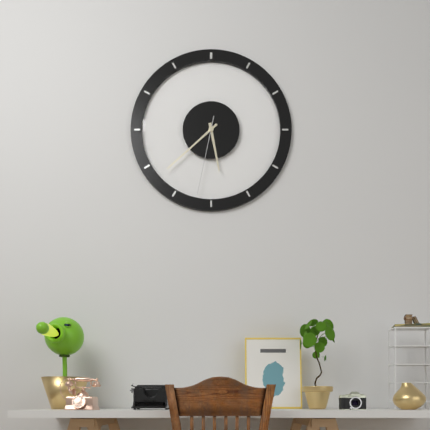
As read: 5h38m32s
